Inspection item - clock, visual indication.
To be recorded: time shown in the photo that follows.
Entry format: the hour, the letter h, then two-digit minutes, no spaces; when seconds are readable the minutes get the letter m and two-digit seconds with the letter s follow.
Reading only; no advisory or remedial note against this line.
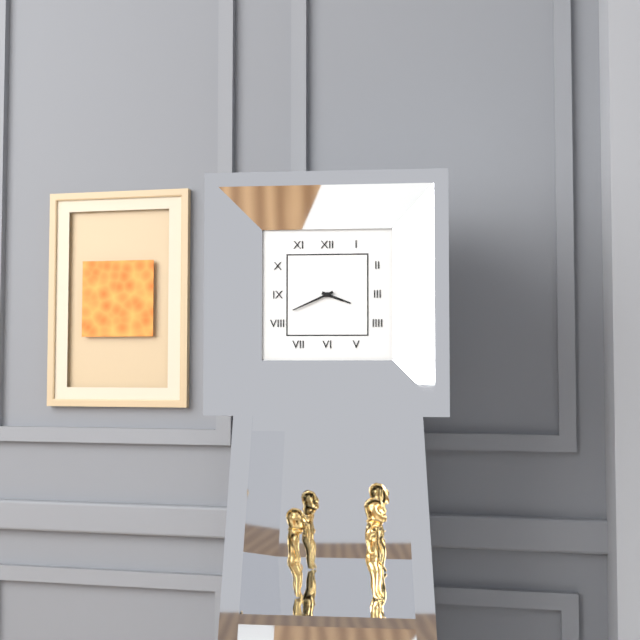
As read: 3h41
